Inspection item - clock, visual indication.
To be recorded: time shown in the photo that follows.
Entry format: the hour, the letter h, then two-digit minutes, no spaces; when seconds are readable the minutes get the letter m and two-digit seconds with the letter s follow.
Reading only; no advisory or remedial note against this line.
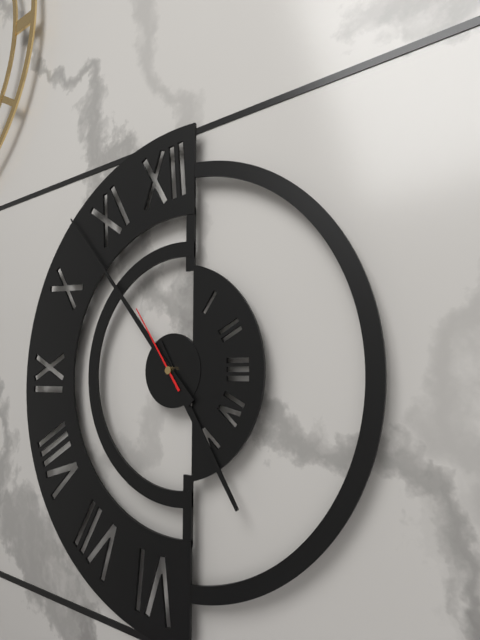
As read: 4h53m54s
